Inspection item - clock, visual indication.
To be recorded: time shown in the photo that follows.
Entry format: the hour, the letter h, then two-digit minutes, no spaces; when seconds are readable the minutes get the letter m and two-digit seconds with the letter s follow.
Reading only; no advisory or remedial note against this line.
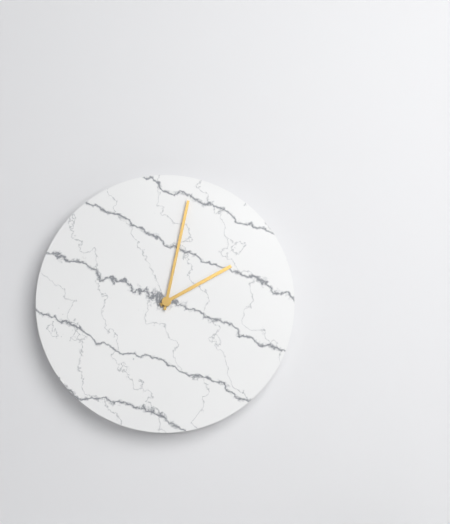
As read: 2h02
